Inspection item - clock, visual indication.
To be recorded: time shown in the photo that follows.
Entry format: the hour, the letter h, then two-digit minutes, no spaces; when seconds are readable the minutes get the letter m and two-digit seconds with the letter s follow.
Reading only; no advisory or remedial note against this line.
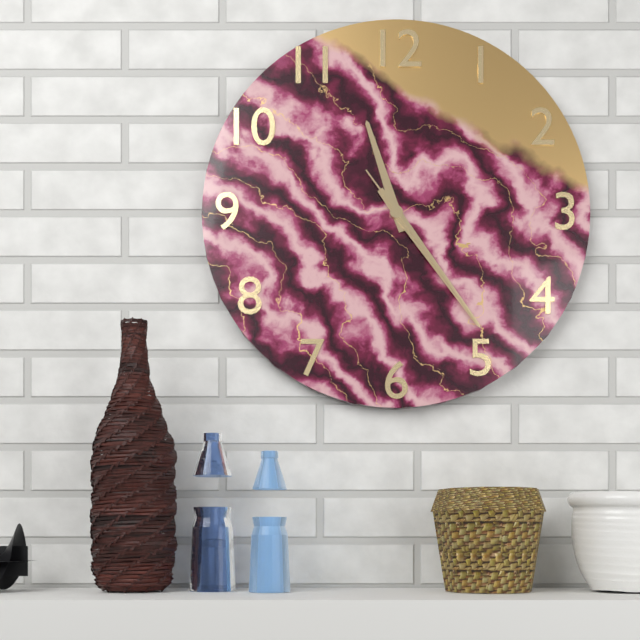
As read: 11h24m24s
